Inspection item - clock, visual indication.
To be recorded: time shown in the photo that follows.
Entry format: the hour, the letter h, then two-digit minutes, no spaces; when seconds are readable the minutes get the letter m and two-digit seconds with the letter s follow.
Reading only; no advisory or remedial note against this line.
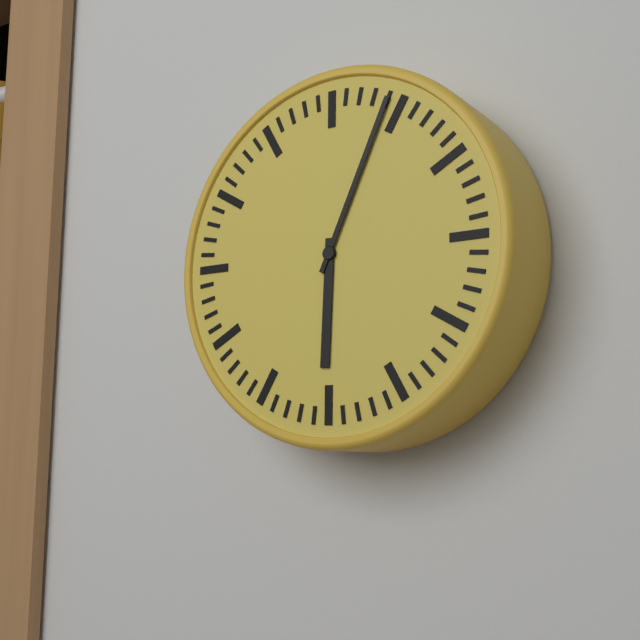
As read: 6h04
